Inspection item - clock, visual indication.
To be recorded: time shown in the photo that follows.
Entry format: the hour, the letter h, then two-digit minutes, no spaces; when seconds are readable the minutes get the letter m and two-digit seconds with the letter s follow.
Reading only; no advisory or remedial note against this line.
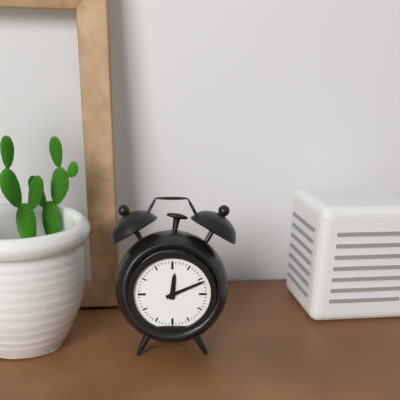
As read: 12h11
